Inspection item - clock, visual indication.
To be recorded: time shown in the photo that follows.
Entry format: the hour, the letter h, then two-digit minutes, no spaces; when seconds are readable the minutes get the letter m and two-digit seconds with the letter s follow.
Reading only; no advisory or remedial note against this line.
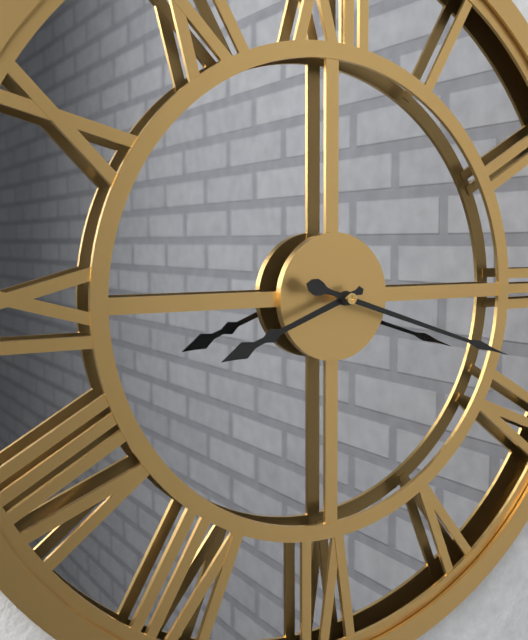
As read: 8h18
